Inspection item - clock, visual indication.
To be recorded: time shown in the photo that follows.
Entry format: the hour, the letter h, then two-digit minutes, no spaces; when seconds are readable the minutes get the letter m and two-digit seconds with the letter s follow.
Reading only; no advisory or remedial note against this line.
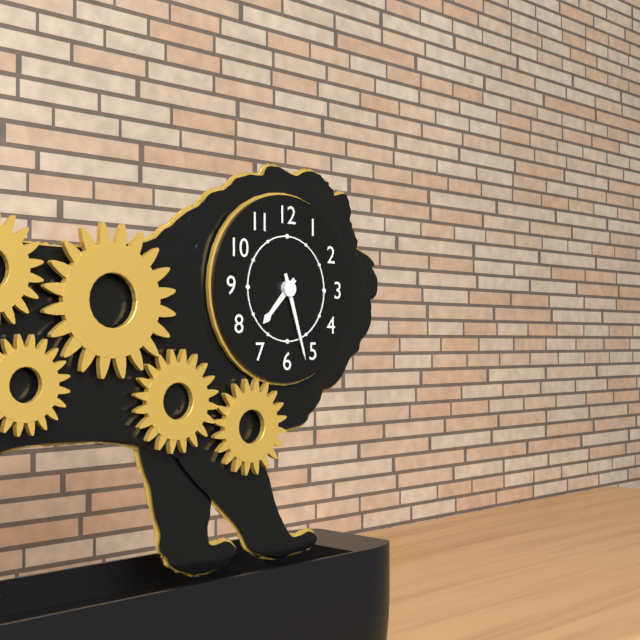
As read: 7h27
